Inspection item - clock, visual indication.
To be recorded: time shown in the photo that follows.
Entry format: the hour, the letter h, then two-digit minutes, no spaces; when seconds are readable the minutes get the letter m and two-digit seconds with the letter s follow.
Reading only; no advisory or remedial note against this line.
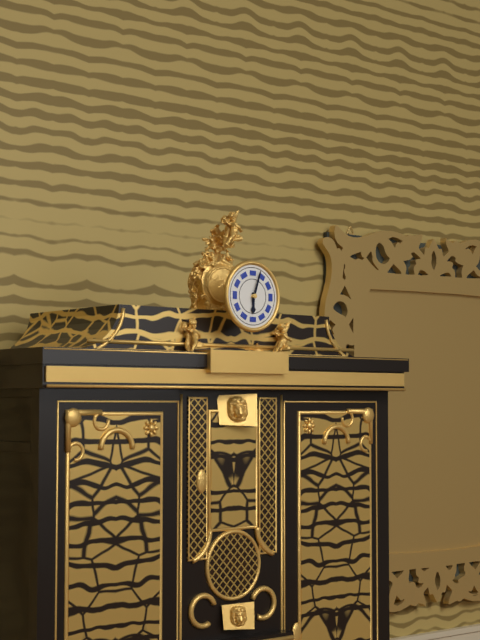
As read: 6h03
